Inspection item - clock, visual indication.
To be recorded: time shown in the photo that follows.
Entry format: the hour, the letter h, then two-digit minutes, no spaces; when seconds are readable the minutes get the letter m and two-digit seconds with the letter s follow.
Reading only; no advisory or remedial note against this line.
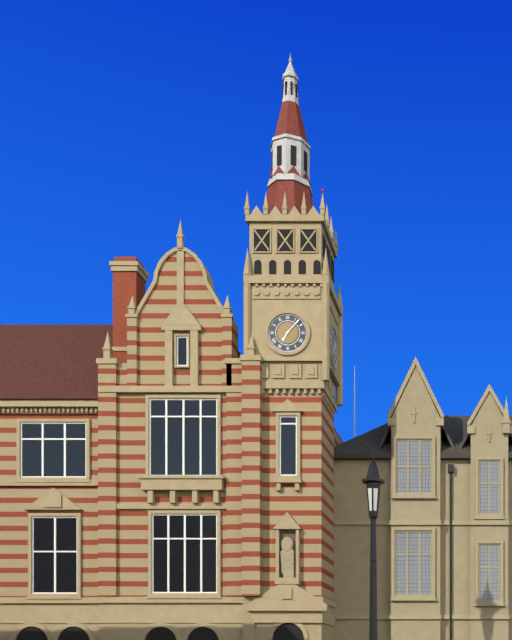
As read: 7h07
